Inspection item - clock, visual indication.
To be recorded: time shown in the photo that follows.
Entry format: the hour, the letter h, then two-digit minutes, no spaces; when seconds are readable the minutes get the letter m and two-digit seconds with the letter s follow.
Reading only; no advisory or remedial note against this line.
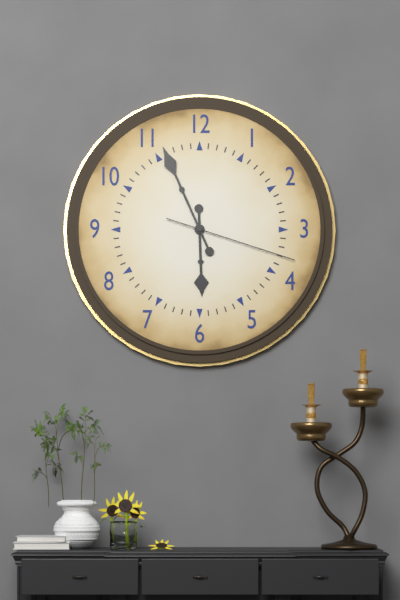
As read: 5h56m18s
